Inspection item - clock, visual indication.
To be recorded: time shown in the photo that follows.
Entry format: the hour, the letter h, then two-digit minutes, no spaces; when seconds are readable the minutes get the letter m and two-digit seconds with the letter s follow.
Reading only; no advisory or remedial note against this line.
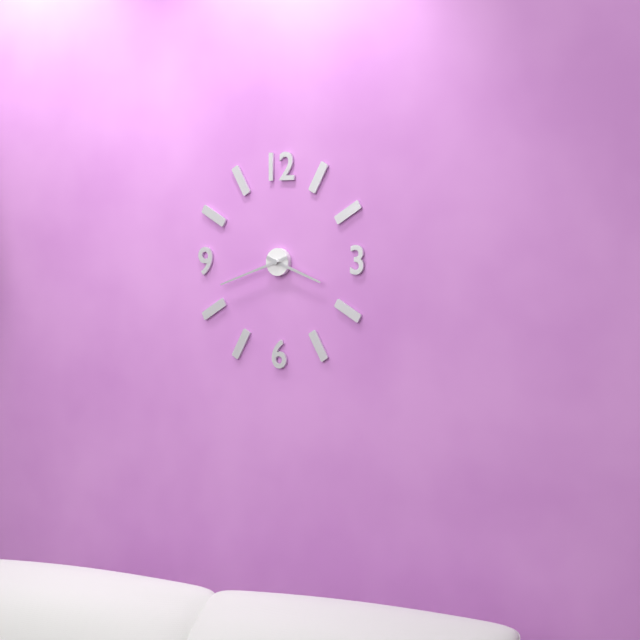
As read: 3h42
